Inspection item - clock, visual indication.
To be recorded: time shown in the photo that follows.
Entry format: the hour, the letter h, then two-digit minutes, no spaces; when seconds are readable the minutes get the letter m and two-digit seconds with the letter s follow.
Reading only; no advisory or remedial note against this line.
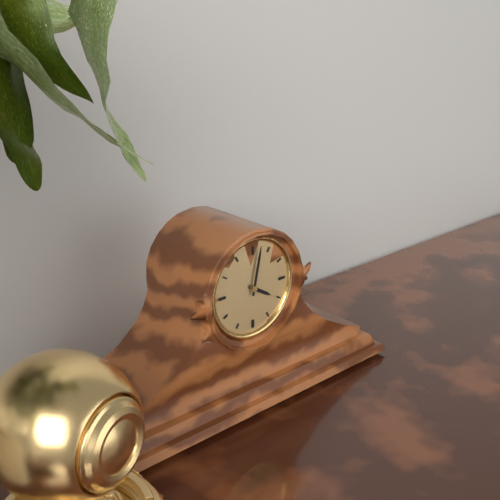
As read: 4h02
